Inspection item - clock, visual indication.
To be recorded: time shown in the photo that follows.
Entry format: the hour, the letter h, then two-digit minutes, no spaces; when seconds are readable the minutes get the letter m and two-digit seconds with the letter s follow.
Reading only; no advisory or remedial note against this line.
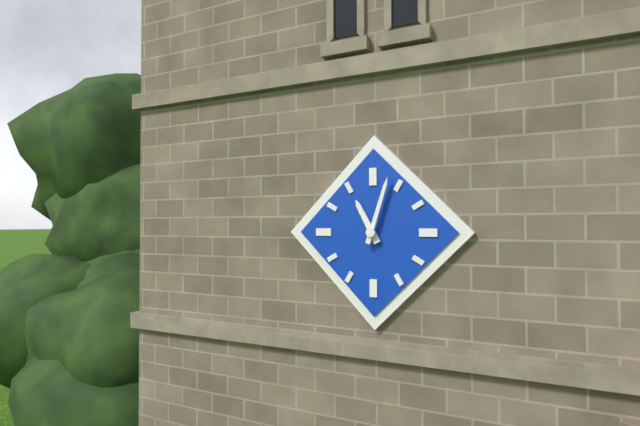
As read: 11h03
